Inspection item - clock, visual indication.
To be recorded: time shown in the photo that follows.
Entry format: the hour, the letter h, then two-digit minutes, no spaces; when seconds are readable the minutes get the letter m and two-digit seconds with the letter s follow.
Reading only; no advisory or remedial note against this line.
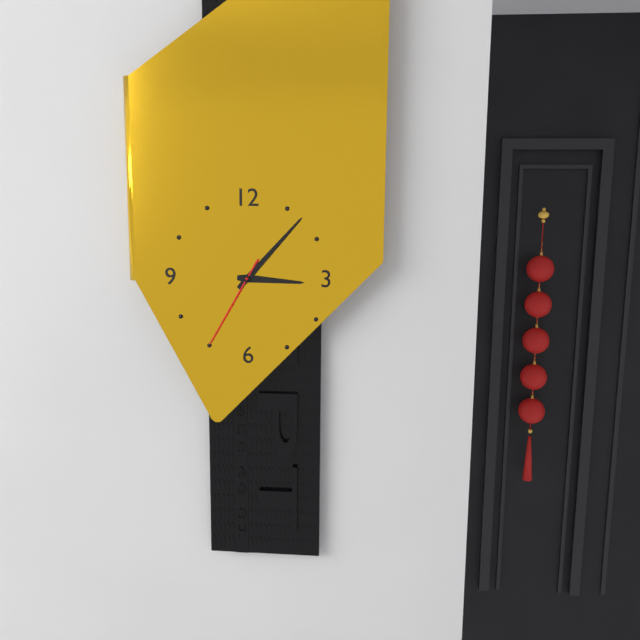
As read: 3h07m35s
